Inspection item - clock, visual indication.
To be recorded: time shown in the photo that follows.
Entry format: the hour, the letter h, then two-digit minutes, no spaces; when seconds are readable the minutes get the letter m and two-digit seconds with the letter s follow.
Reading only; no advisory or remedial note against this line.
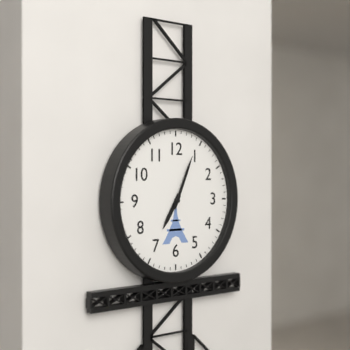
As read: 7h04
